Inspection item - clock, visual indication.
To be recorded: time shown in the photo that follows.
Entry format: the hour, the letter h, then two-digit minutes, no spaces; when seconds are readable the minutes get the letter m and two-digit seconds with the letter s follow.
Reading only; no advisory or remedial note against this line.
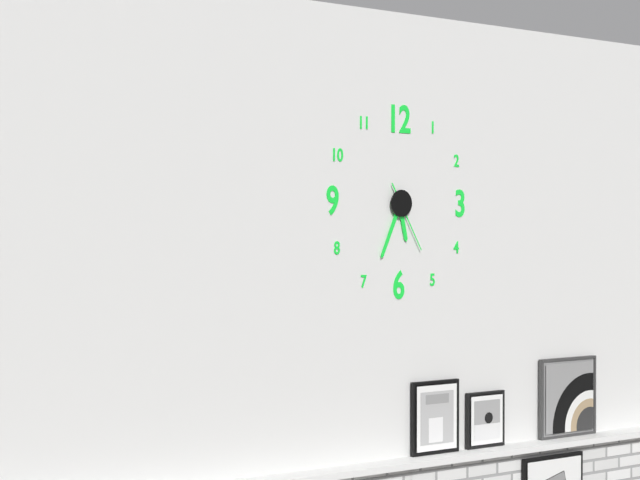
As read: 5h34m25s
